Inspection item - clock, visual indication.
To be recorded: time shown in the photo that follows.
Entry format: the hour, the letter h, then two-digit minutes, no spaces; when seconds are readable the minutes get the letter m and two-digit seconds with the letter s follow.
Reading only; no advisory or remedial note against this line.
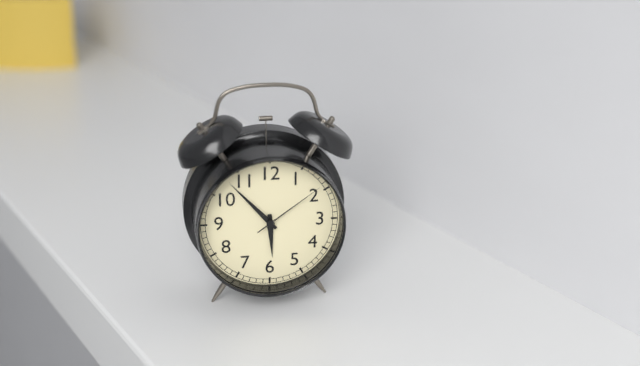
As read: 5h53m09s
